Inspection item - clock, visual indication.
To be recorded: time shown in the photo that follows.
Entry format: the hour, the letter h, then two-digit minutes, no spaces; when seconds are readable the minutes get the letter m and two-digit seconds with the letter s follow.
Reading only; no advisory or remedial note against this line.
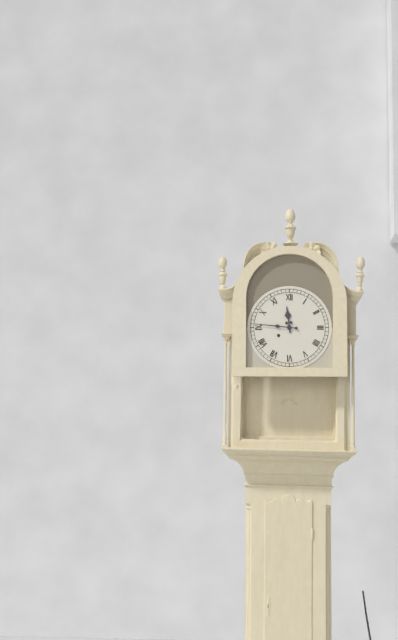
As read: 11h46
